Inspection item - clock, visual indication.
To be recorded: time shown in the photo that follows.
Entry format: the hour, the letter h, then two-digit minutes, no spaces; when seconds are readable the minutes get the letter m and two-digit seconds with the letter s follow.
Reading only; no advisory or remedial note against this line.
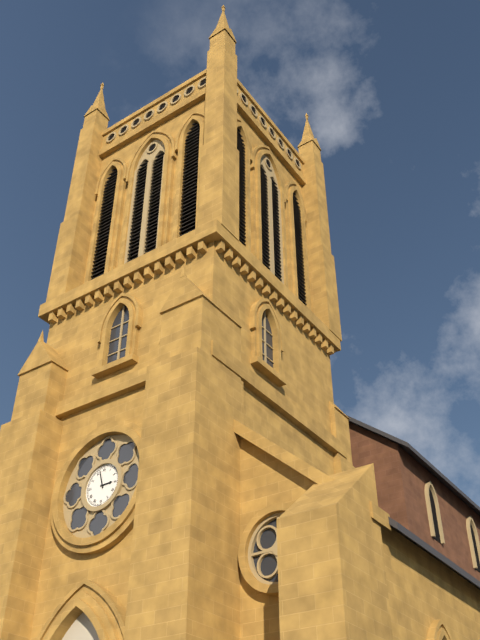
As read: 2h57
